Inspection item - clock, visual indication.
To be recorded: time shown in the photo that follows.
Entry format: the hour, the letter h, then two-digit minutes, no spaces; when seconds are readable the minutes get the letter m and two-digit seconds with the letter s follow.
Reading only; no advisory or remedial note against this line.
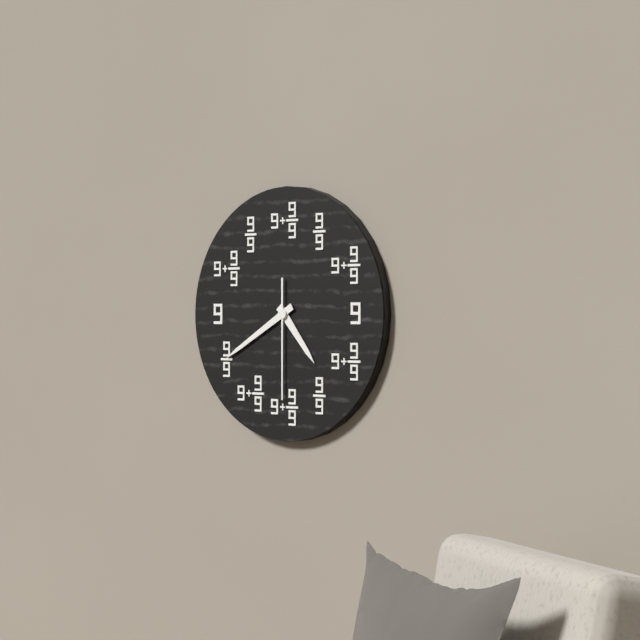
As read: 4h40m30s
